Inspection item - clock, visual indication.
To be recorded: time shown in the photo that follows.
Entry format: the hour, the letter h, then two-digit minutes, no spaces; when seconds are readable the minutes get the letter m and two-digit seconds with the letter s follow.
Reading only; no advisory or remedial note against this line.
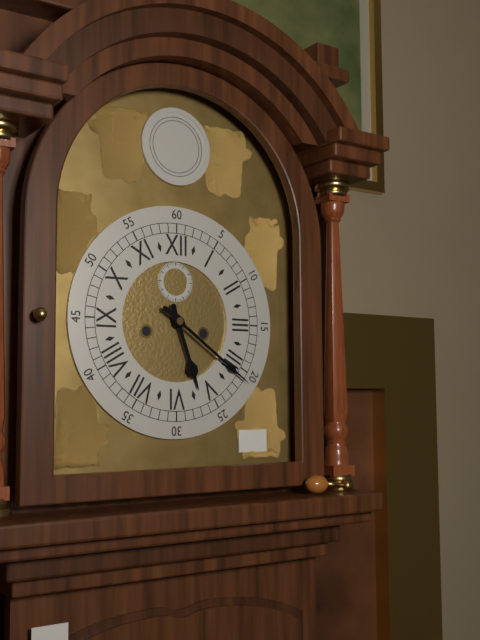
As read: 5h21
